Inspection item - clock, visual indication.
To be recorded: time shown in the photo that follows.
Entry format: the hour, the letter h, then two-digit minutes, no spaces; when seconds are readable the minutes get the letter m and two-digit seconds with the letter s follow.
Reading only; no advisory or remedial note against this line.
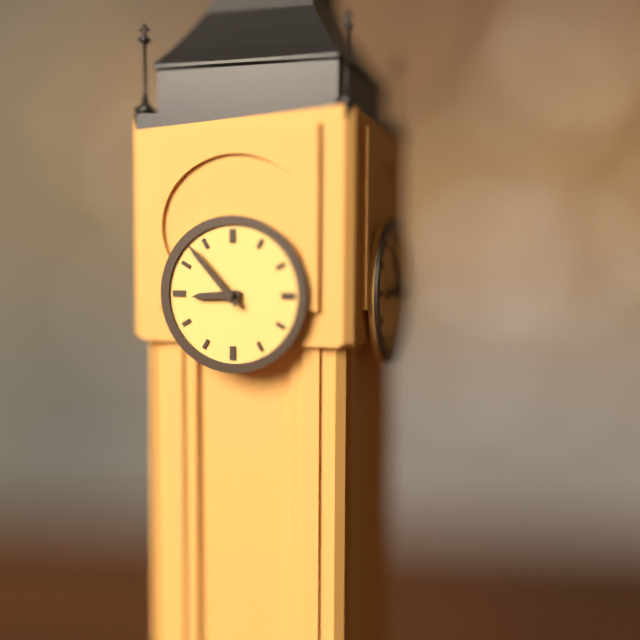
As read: 8h53
